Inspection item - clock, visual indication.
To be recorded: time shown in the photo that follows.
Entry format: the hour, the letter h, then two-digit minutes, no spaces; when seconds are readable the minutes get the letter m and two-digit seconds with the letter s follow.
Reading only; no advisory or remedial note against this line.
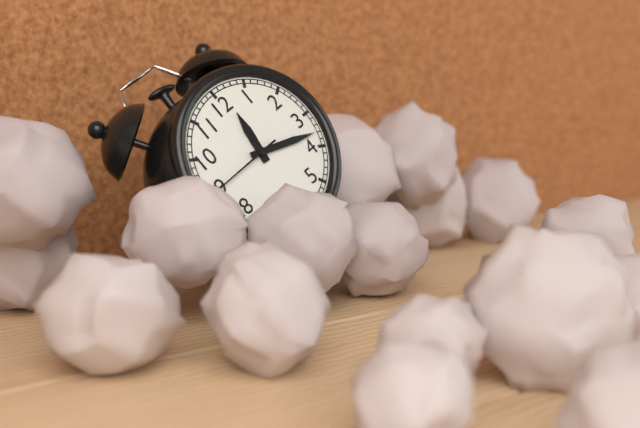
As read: 12h18m45s
